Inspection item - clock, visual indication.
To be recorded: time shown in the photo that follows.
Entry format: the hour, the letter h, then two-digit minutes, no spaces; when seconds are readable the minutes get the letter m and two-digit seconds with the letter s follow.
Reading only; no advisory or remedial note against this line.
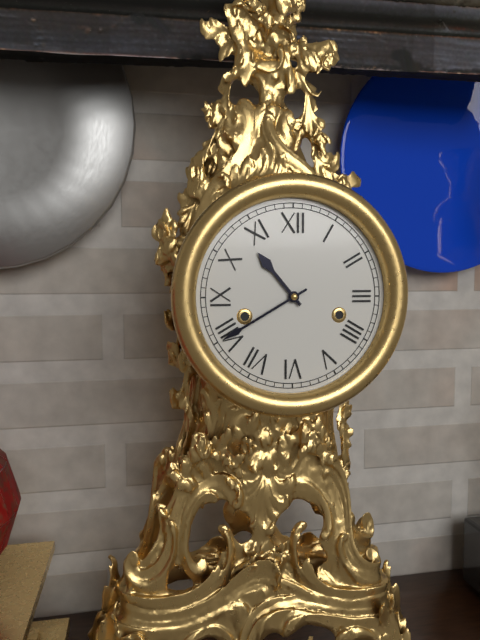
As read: 10h40
